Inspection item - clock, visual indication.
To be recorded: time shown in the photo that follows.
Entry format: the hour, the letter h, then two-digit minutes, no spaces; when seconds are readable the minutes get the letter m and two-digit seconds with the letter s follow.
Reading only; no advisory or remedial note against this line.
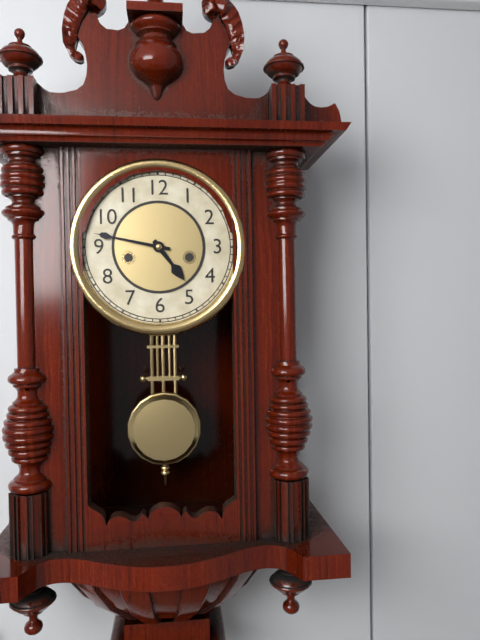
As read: 4h47
